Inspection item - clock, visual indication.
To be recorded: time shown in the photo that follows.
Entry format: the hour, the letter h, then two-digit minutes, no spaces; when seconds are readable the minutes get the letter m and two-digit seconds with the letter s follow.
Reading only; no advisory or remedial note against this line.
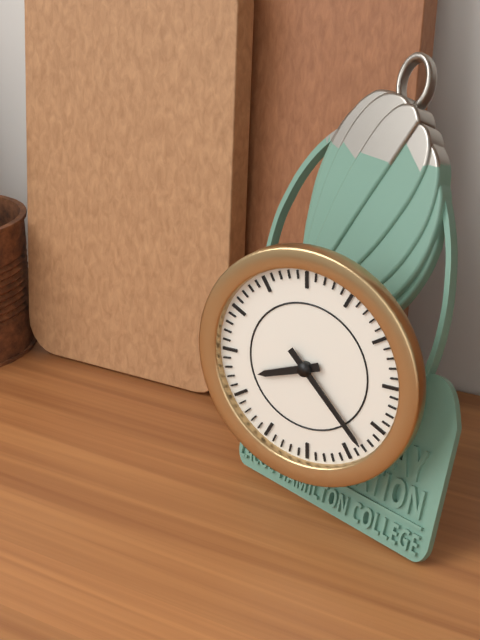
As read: 8h23
